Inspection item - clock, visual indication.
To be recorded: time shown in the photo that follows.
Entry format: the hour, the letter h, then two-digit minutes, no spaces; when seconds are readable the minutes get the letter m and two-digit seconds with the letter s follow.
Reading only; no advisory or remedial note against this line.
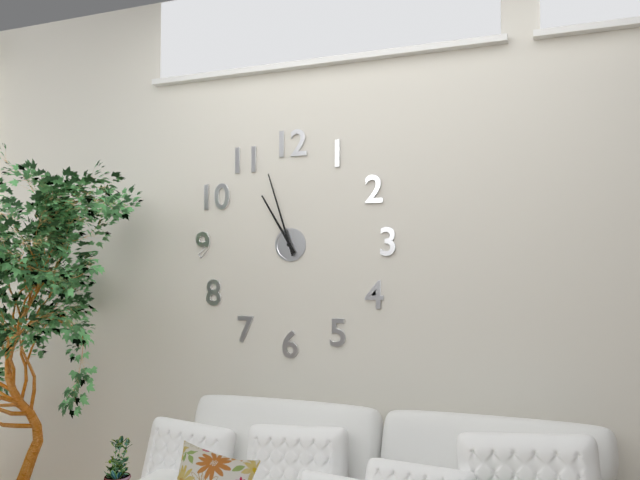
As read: 10h57
